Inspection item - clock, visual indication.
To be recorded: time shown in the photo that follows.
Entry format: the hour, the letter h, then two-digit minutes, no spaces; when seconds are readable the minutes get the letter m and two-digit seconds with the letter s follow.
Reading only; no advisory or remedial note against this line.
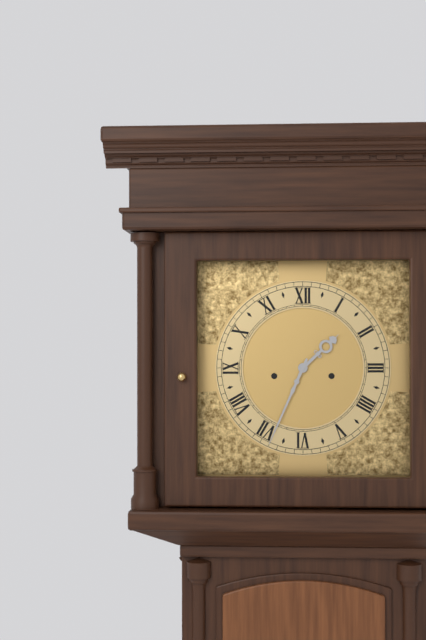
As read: 1h34
